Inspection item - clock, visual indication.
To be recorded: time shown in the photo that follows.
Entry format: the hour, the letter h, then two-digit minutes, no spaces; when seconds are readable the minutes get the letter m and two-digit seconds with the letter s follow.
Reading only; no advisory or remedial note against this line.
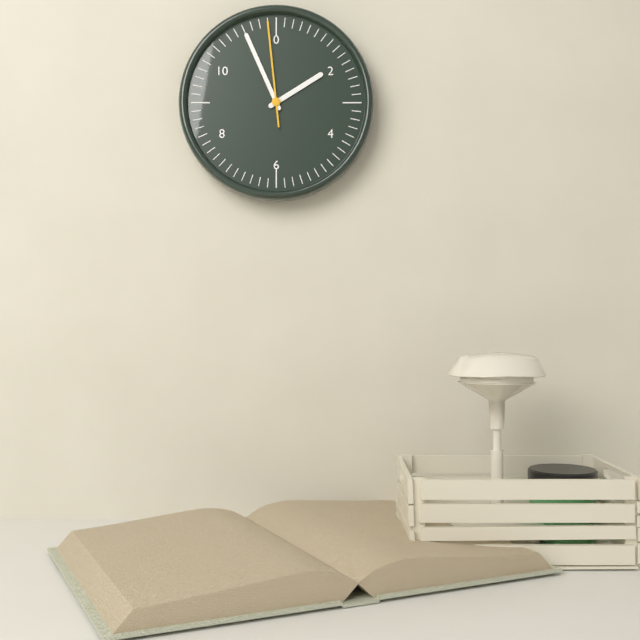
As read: 1h56m59s
